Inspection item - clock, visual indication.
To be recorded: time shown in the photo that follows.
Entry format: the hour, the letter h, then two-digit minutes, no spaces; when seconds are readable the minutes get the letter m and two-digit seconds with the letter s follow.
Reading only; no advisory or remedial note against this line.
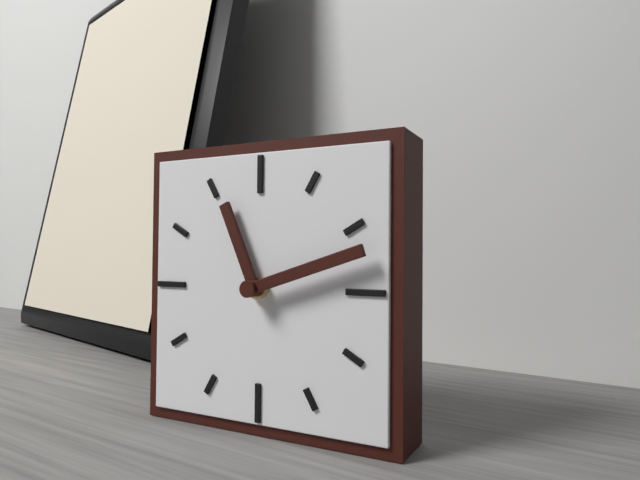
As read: 11h12
